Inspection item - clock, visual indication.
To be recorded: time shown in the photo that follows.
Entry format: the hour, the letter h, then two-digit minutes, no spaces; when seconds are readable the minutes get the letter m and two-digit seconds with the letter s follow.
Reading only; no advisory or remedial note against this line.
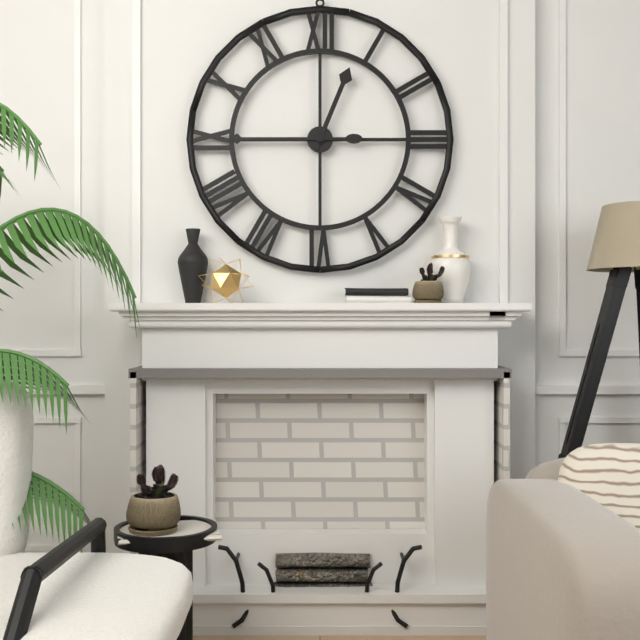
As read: 12h45
